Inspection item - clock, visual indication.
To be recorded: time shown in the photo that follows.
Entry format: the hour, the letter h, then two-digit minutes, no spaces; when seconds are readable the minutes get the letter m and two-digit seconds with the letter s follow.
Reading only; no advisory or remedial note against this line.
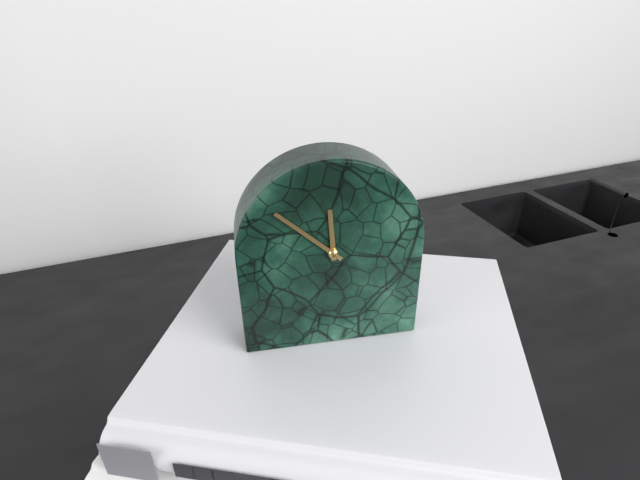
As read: 11h52
